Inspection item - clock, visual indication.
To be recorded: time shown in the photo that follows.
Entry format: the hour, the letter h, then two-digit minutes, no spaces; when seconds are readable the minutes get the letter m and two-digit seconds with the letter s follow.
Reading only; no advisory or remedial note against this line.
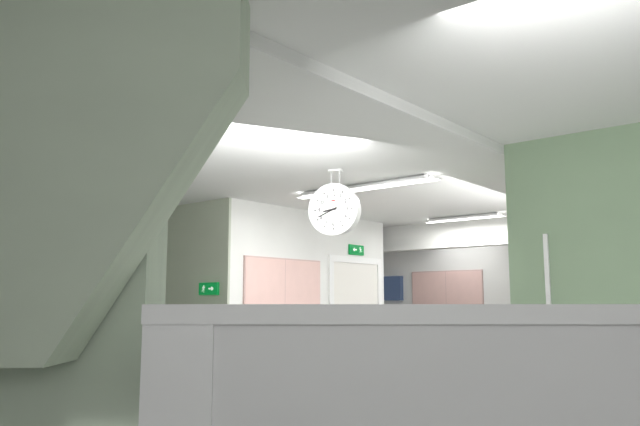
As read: 8h41
